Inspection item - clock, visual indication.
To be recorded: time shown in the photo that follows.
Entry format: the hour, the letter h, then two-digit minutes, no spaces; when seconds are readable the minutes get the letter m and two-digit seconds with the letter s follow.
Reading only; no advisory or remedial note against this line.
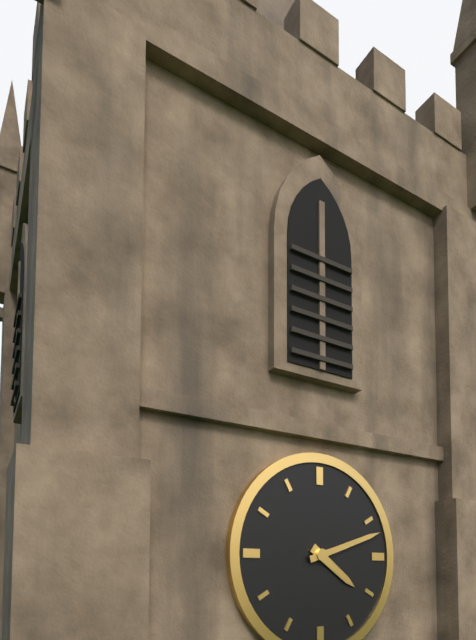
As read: 4h12
